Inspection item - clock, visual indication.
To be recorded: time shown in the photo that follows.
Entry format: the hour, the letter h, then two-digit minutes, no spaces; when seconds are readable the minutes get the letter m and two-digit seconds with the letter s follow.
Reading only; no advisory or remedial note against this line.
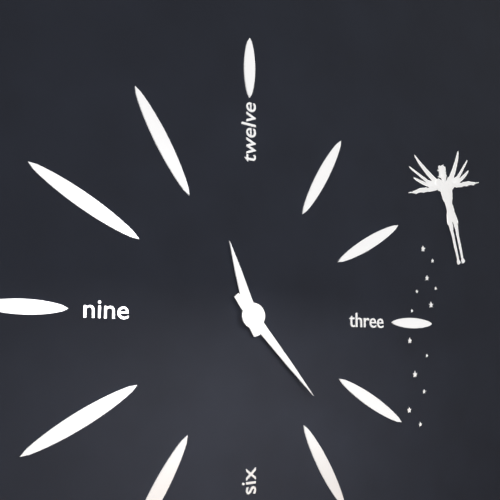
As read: 11h23
